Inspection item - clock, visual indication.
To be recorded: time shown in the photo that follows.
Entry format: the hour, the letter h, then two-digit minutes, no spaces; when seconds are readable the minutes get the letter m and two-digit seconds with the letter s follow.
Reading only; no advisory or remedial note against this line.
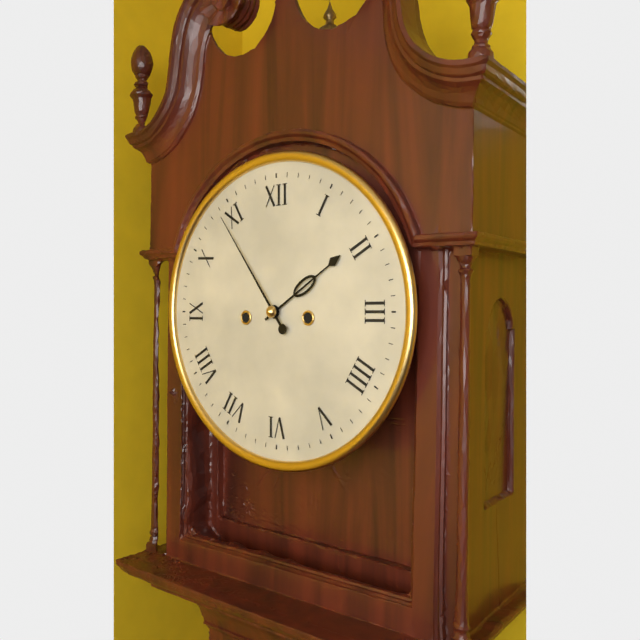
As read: 1h54
